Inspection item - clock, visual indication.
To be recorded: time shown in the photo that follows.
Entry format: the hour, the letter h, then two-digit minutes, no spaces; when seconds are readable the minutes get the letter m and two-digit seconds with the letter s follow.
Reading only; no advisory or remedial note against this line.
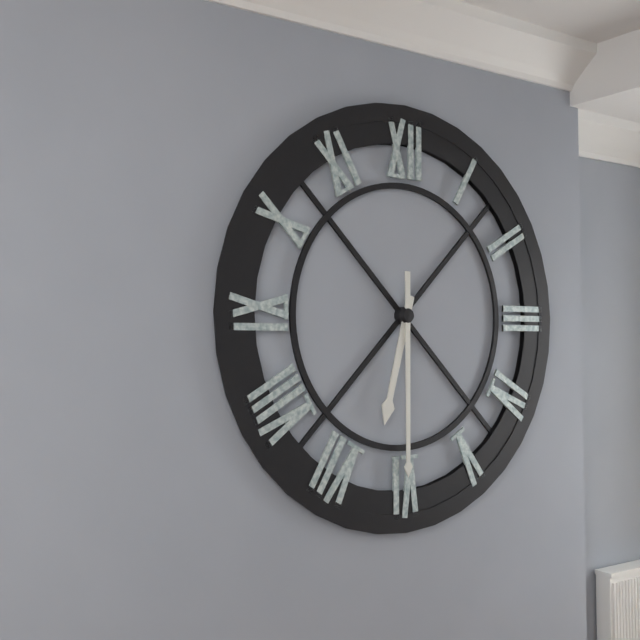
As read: 6h30
